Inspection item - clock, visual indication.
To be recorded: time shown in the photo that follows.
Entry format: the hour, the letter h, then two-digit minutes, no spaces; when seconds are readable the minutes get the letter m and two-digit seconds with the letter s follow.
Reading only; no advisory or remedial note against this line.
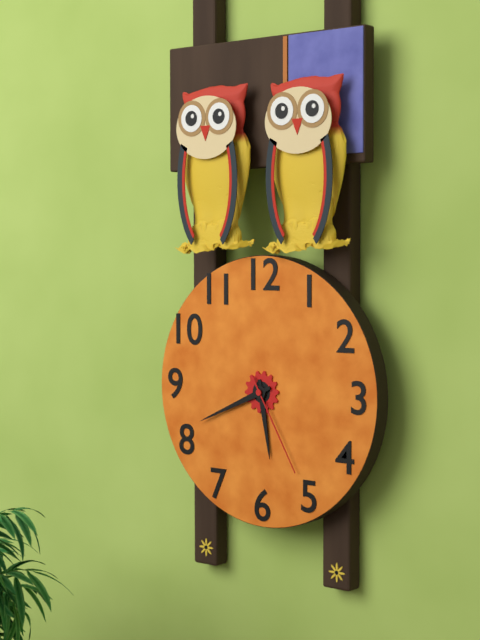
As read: 5h41m25s
